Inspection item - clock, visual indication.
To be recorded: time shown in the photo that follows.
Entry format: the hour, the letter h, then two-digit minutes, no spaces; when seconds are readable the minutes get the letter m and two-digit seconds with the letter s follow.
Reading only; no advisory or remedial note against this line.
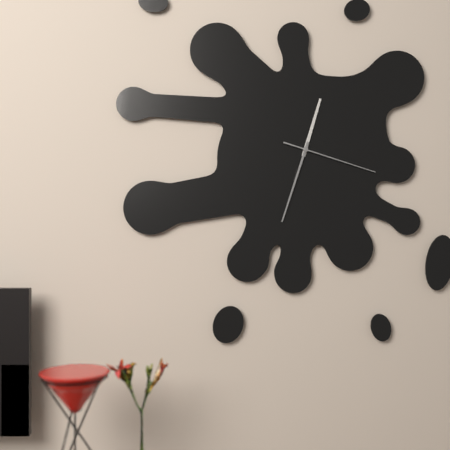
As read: 12h33m18s
